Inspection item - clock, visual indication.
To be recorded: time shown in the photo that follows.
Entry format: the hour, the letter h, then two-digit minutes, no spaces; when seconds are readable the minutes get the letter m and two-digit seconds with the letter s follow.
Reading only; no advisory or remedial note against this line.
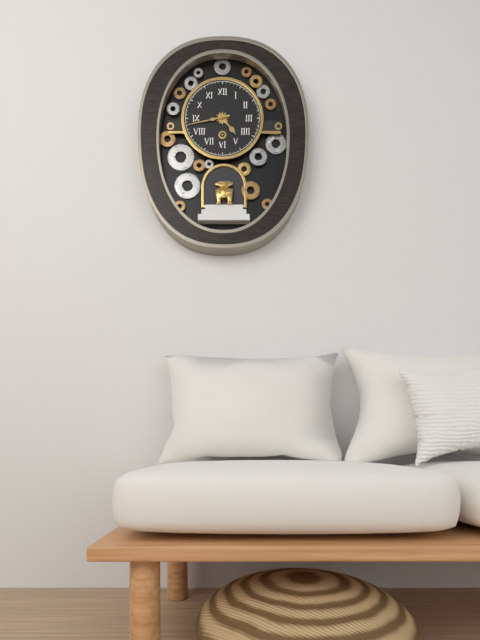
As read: 4h43
